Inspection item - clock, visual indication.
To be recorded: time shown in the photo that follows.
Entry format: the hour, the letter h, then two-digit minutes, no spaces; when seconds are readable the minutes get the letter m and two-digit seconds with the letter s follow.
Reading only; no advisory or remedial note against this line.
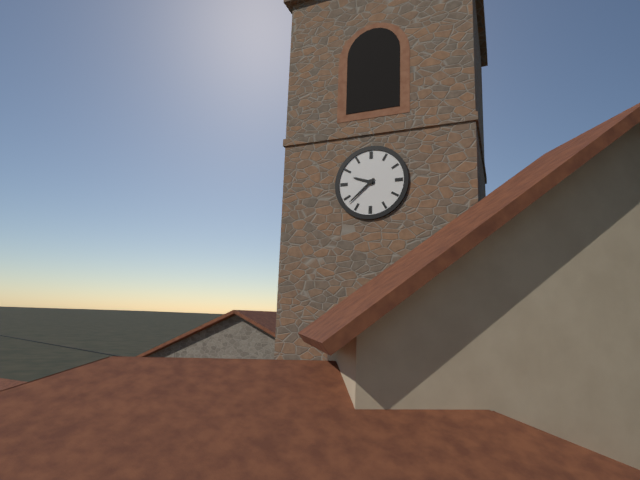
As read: 9h38
